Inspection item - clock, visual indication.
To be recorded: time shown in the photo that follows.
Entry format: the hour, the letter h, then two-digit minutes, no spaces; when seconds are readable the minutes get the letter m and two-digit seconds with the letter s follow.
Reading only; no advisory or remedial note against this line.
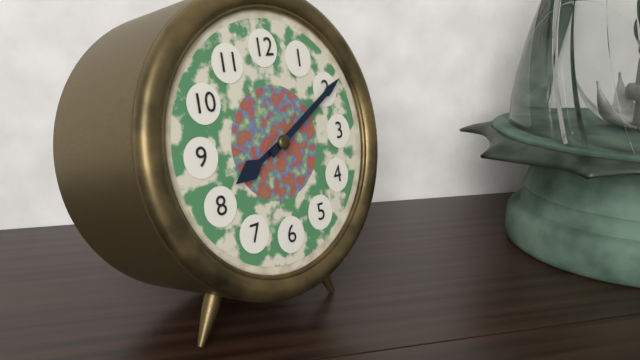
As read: 8h10
